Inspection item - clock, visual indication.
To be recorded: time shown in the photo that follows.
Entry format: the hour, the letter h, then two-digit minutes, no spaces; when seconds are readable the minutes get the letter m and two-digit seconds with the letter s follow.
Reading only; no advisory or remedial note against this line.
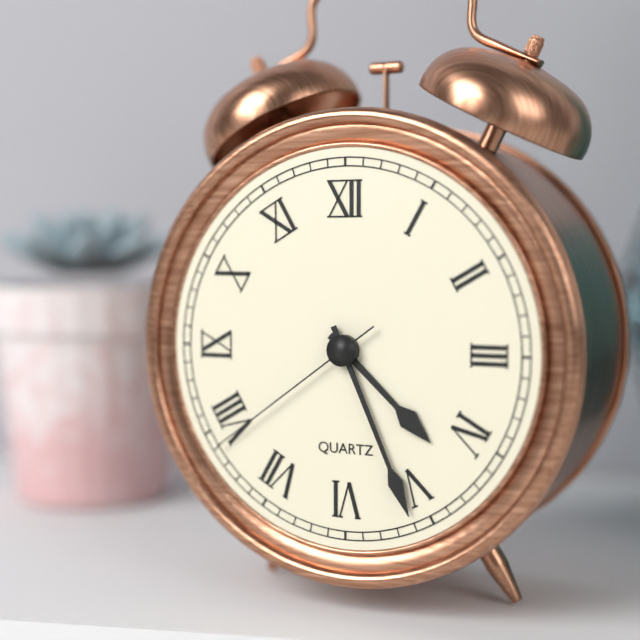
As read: 4h26m39s
